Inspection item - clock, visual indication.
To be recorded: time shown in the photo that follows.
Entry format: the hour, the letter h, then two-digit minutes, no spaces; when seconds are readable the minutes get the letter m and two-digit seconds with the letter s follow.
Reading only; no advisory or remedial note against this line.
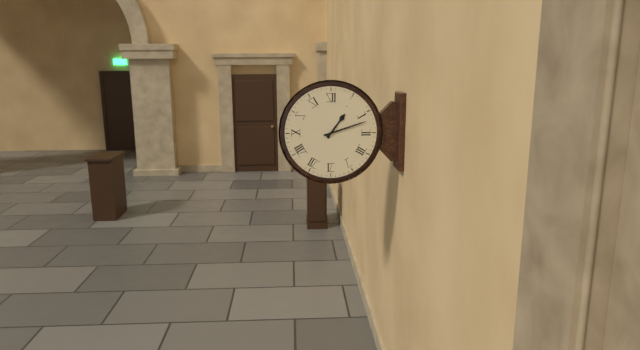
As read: 1h12
